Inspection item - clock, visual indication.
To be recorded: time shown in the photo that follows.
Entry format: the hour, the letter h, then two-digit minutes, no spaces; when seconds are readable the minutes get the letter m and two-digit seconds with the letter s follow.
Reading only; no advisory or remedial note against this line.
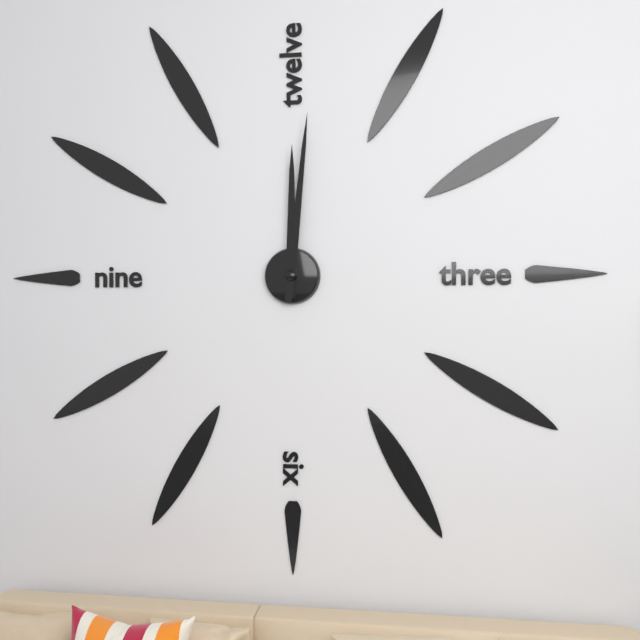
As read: 12h01
